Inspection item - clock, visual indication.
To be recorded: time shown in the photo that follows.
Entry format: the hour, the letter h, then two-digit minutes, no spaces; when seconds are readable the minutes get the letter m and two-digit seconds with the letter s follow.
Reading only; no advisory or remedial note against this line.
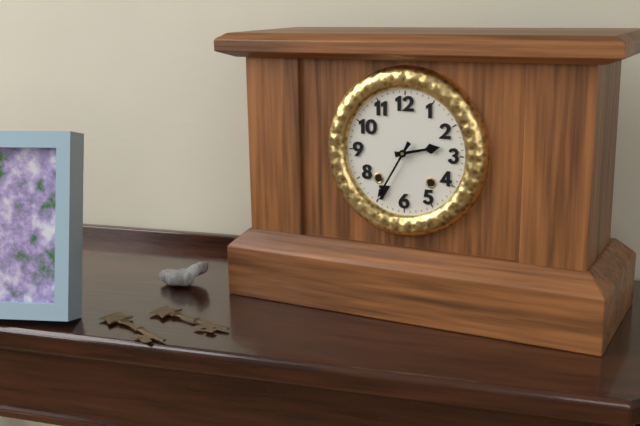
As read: 2h35
